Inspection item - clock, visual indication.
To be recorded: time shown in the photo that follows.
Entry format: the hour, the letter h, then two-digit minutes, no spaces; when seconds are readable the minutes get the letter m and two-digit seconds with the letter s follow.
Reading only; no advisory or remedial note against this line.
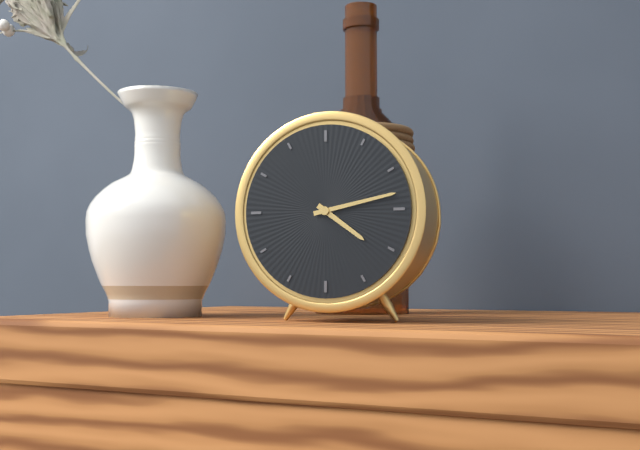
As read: 4h13
